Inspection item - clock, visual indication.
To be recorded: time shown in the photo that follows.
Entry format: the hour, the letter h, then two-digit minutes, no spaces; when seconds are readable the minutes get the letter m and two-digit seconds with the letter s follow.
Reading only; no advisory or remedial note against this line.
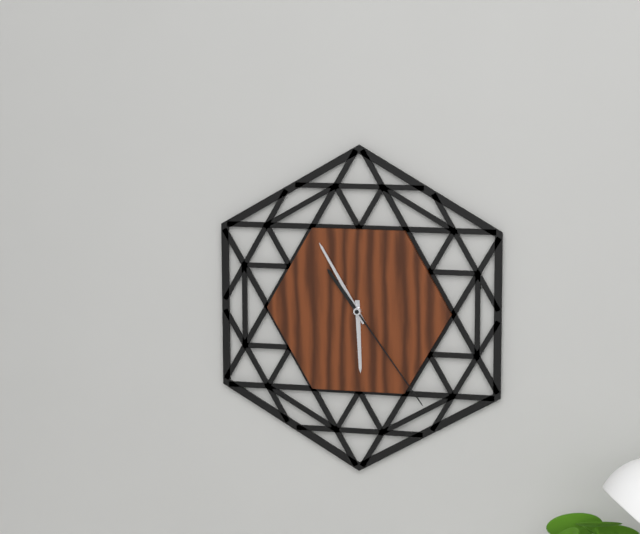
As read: 5h55m24s
